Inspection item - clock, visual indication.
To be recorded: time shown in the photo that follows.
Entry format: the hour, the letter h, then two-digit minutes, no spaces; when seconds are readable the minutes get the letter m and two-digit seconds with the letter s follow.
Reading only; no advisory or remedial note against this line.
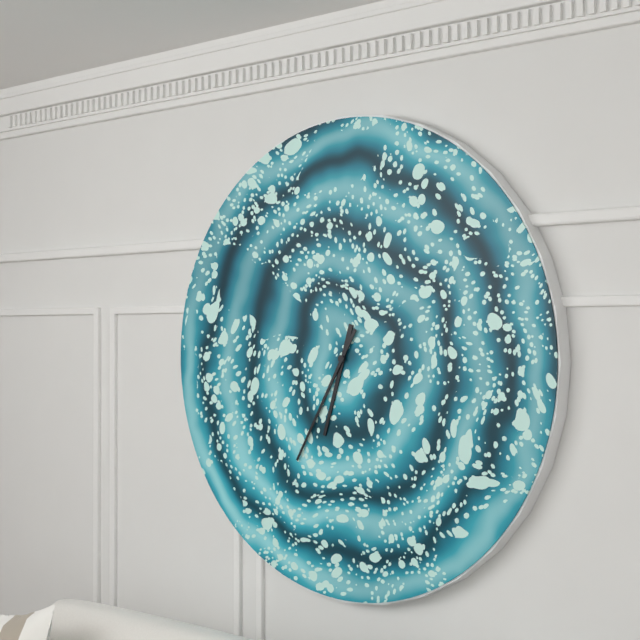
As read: 6h35
